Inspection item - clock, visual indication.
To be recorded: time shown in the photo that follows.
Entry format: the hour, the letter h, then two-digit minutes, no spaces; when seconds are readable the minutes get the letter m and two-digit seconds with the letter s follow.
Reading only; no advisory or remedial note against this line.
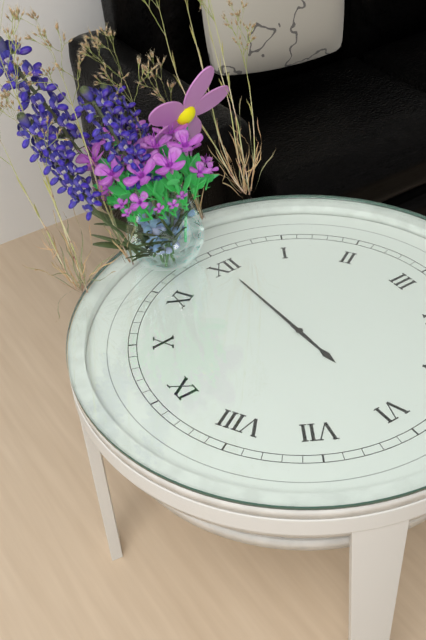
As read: 6h00
